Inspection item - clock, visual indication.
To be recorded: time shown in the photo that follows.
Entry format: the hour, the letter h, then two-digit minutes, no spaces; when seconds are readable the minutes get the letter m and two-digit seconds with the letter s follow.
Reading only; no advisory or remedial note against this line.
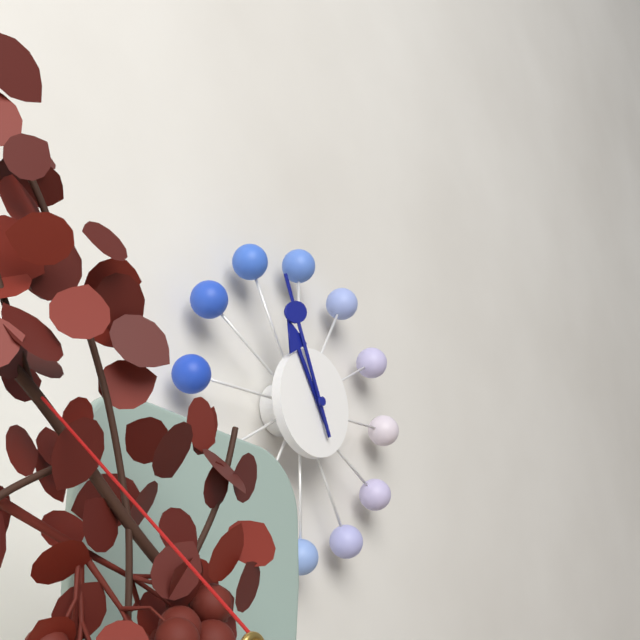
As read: 10h56
